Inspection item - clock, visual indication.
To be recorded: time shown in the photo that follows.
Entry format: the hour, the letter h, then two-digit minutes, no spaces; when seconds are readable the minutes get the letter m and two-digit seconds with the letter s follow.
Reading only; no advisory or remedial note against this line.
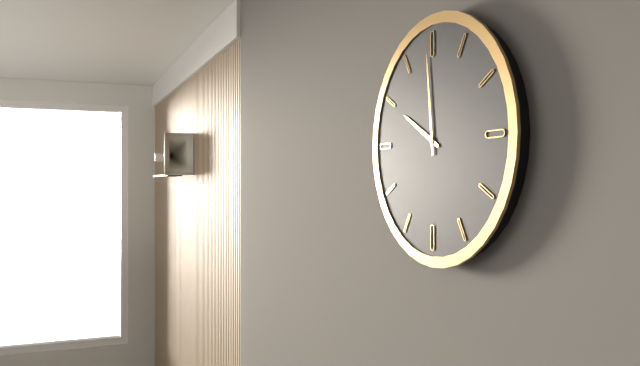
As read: 9h59
